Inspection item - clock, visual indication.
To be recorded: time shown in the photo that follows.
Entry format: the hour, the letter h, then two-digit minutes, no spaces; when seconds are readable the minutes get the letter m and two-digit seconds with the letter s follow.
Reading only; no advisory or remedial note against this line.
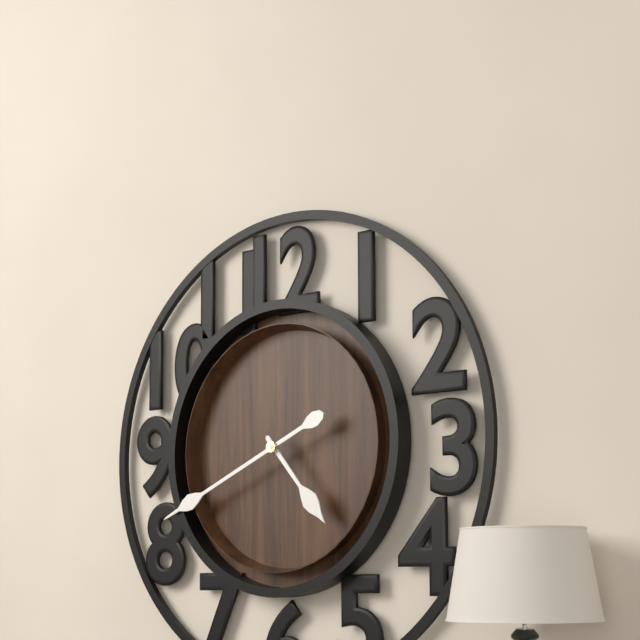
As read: 4h41
